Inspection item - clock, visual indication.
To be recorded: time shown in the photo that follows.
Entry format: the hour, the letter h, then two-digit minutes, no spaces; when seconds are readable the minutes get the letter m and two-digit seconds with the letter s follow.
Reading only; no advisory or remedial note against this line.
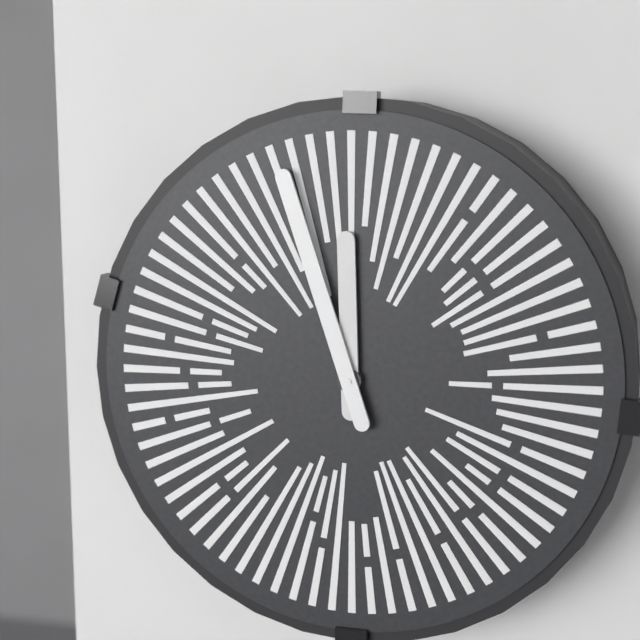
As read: 11h57
